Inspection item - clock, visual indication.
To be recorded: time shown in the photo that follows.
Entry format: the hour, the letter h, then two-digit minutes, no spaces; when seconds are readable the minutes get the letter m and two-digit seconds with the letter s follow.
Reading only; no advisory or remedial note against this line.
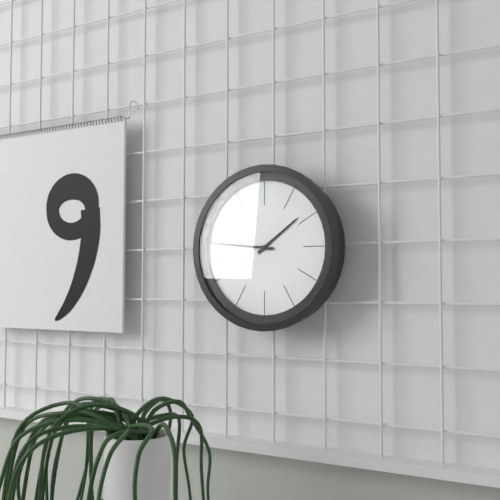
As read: 1h46
